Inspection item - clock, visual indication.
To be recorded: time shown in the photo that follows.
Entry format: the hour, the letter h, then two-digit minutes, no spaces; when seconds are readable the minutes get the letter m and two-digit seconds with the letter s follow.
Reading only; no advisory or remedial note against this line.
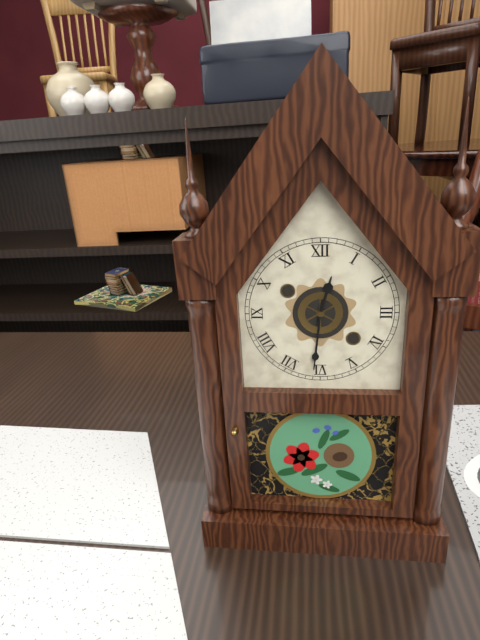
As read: 12h31
